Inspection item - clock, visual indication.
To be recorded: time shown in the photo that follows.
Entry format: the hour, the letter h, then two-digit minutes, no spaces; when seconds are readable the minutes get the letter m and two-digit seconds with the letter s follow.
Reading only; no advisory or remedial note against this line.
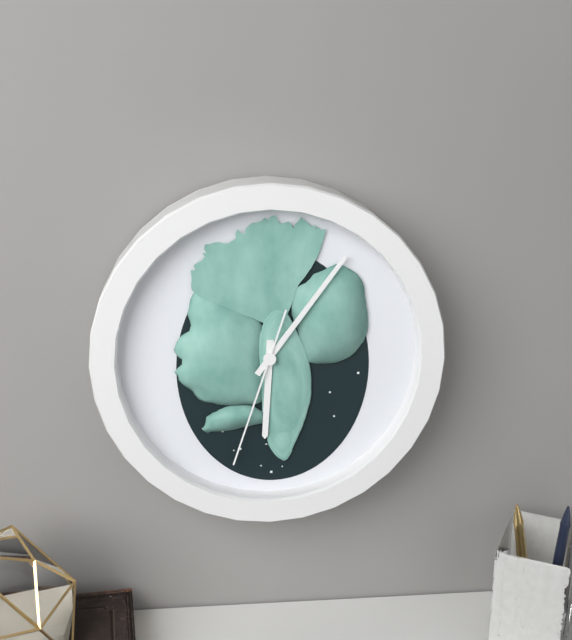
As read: 6h06m33s
